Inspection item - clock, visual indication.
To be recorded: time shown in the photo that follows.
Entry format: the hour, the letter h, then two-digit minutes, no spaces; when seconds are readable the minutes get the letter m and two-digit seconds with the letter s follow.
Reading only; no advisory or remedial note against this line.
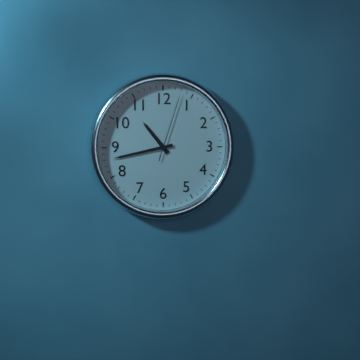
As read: 10h43m03s
